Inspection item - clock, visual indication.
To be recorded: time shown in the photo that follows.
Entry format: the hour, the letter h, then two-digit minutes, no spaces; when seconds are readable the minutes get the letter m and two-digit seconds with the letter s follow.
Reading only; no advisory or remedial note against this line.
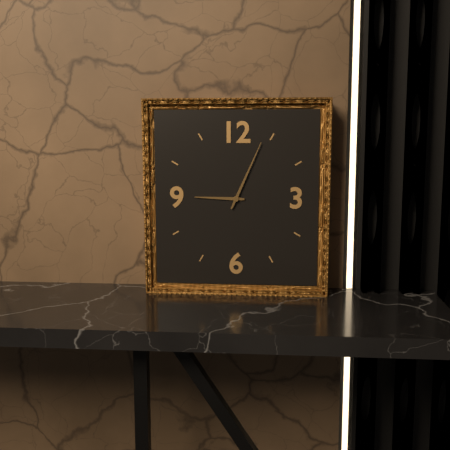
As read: 9h04
